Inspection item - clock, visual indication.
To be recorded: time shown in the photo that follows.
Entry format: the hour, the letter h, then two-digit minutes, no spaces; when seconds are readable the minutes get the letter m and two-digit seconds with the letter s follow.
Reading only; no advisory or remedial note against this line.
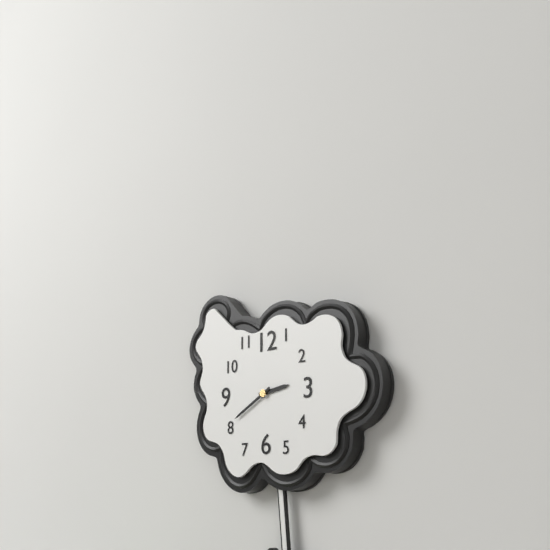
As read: 2h40
